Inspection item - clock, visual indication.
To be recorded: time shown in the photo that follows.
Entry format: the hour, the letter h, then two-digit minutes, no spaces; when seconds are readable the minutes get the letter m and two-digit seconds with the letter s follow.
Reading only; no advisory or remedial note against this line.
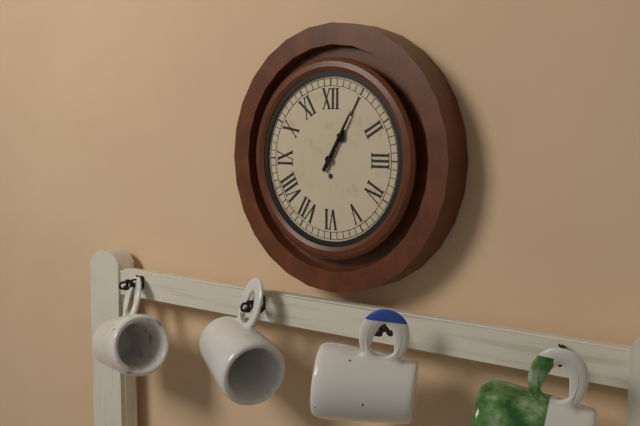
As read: 1h05
